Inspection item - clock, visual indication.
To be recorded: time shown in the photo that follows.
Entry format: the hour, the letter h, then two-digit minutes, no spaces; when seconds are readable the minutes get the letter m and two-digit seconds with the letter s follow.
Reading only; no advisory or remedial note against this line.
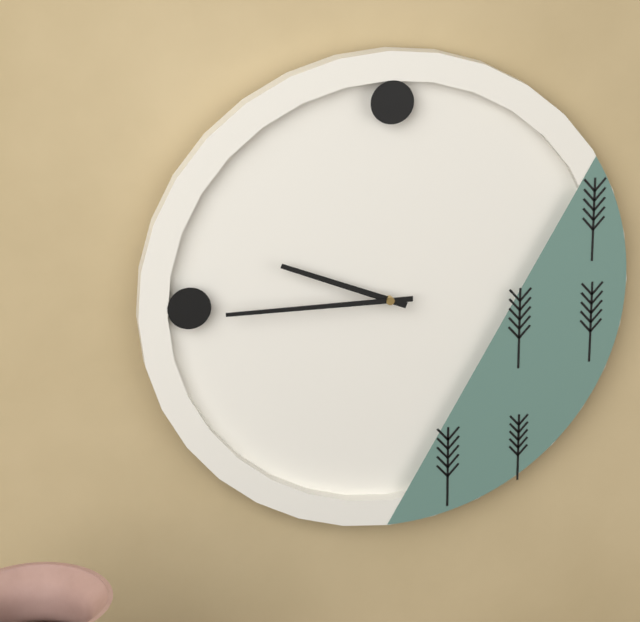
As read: 9h45
